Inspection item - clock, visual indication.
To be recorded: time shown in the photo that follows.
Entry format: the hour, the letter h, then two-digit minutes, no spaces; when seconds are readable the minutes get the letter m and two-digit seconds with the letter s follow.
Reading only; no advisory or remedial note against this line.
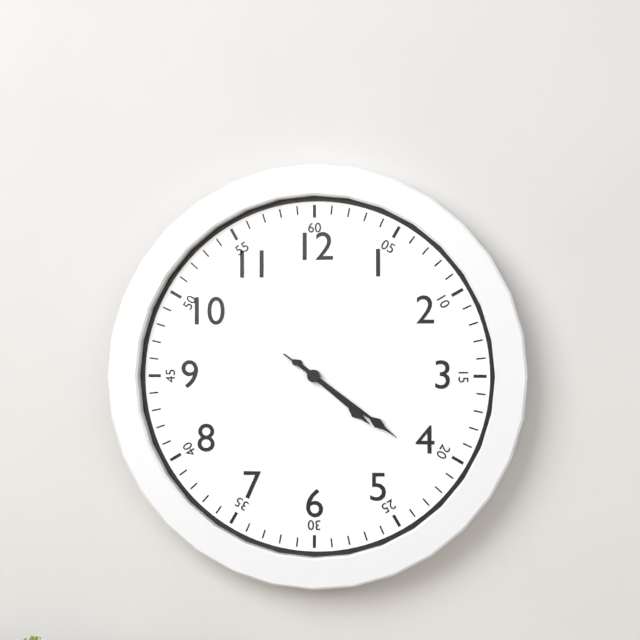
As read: 4h21m21s
